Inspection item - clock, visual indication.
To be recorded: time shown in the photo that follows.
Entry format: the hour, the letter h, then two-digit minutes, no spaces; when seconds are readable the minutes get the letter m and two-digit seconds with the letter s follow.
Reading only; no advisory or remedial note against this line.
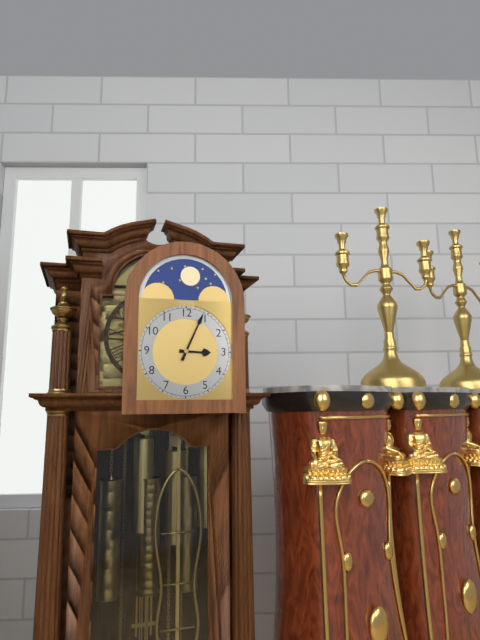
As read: 3h04
